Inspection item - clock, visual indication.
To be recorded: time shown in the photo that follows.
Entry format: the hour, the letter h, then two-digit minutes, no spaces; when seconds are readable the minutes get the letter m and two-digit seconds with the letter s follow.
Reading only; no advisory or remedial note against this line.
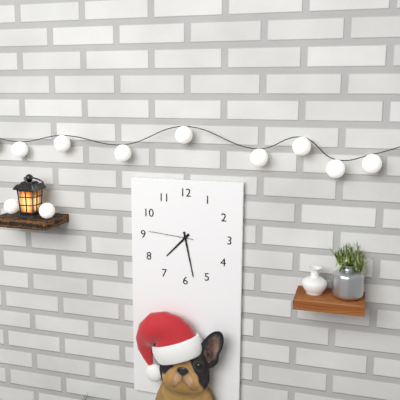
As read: 7h28
